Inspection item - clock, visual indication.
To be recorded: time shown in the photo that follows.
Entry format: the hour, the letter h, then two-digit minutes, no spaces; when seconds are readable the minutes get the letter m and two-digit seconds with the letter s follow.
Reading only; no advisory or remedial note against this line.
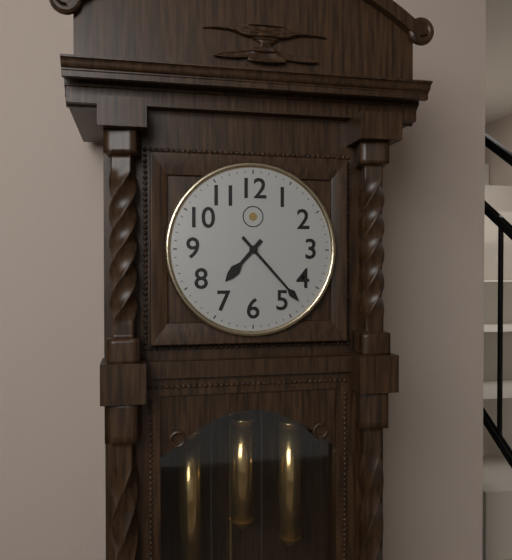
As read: 7h23
